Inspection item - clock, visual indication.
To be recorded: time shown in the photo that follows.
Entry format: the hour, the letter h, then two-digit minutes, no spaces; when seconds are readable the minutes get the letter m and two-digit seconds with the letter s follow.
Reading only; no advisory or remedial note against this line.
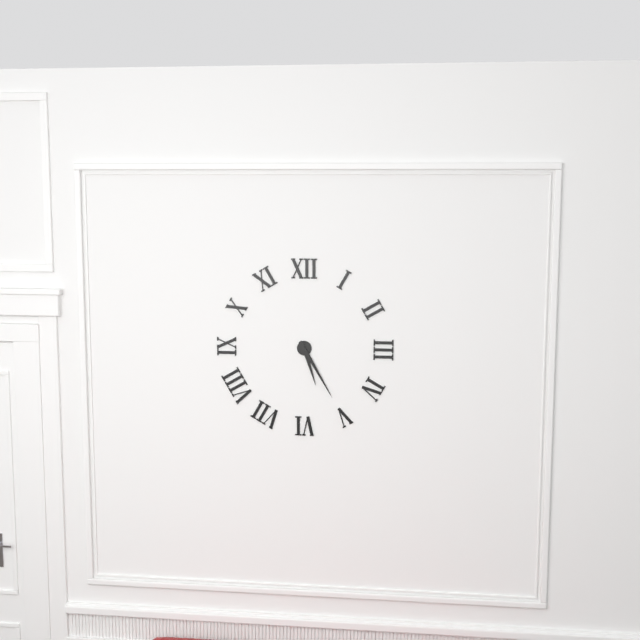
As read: 5h25
